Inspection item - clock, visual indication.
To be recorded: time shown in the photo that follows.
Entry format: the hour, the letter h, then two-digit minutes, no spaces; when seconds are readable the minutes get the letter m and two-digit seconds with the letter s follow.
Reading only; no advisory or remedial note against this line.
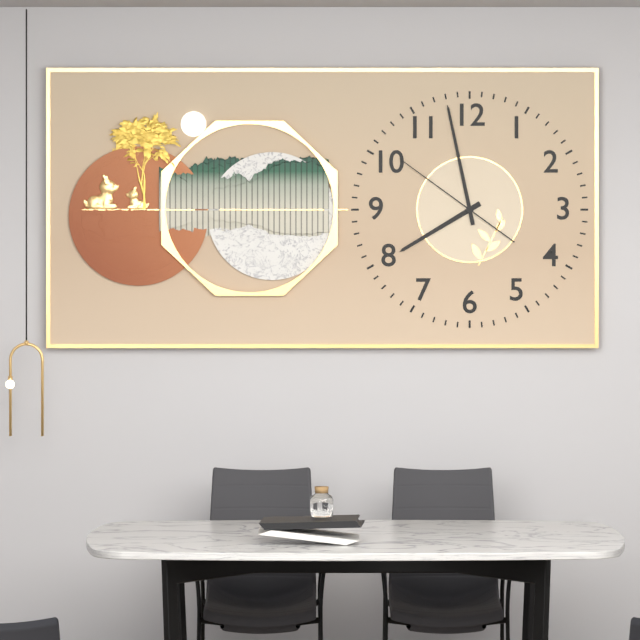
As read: 7h58m51s
